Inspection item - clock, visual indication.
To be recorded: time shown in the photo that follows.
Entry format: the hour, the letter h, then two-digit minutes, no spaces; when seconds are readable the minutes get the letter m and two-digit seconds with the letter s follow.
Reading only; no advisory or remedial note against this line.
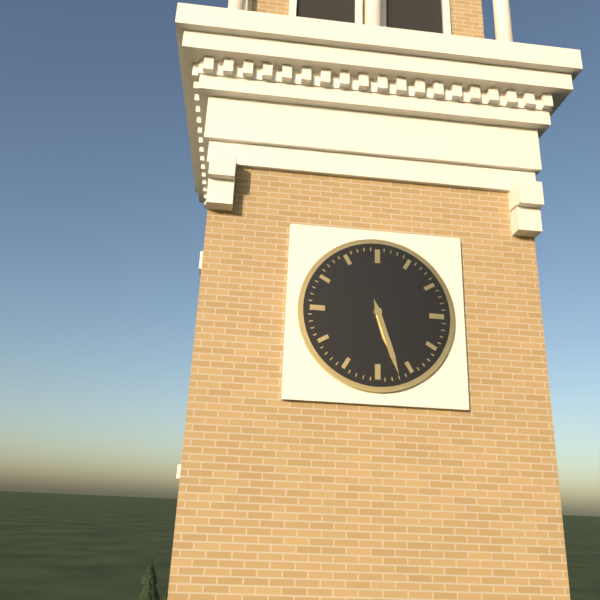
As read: 5h27
